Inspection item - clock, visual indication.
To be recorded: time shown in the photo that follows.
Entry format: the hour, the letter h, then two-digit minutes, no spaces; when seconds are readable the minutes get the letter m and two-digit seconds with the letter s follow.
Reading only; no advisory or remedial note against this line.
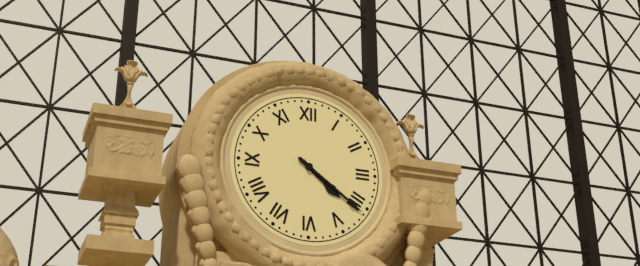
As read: 4h21
